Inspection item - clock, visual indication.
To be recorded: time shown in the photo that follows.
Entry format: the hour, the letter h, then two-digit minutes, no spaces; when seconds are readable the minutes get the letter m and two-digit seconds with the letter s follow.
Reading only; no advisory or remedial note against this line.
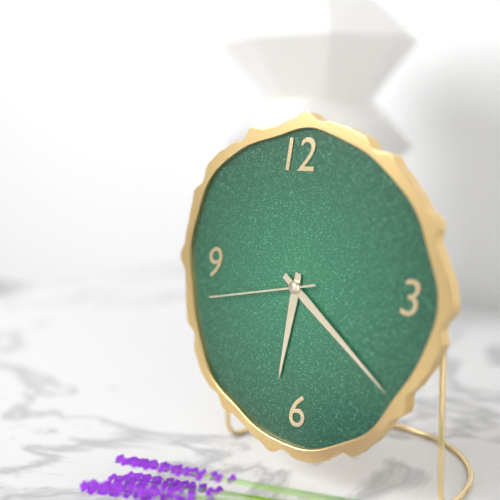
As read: 6h21m43s
